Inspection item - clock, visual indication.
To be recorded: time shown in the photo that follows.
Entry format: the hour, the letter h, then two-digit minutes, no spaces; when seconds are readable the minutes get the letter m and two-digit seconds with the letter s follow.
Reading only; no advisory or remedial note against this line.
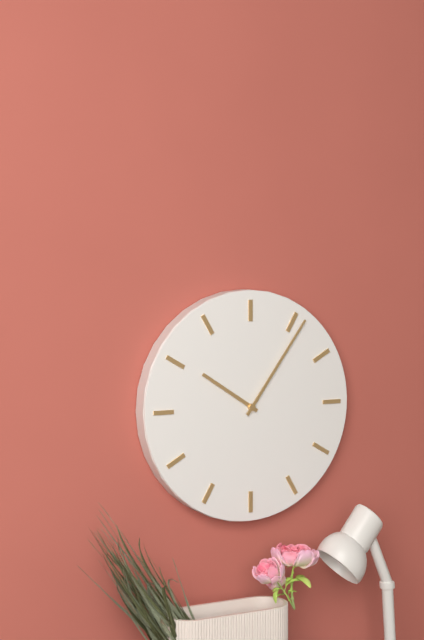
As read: 10h06
